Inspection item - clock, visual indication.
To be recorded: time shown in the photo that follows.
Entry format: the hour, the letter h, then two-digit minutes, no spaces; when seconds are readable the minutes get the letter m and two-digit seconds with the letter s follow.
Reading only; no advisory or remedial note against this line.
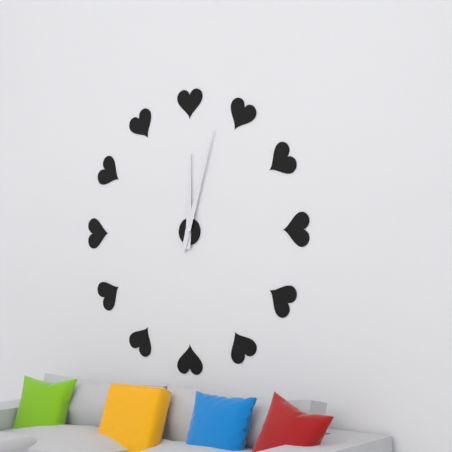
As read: 12h03
